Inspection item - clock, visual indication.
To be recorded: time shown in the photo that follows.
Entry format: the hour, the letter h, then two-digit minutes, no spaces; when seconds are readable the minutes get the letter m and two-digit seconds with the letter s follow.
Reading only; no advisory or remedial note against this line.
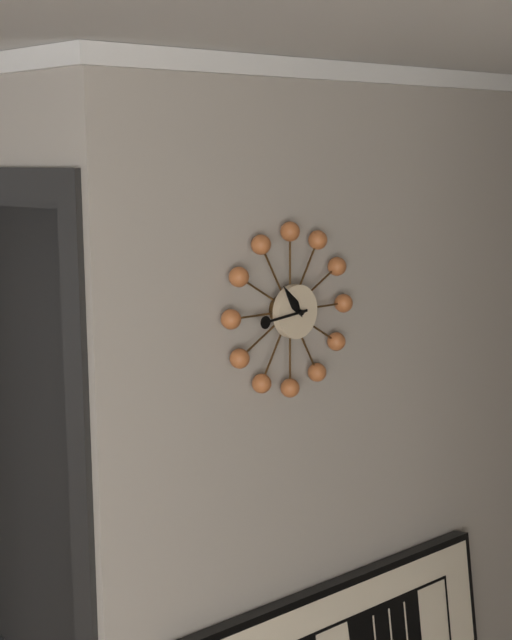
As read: 10h44
